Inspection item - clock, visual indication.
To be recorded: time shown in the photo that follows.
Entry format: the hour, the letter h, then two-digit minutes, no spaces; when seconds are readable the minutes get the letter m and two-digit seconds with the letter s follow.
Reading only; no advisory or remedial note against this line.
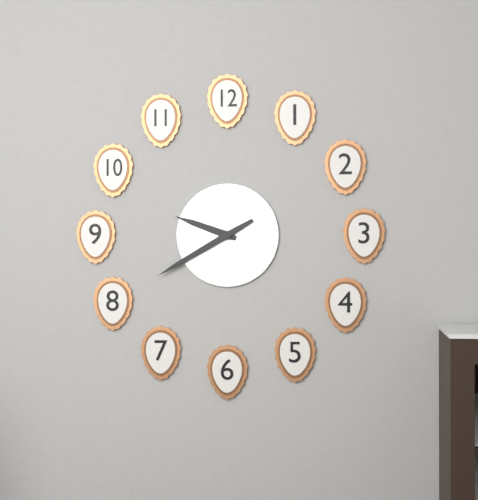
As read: 9h40
